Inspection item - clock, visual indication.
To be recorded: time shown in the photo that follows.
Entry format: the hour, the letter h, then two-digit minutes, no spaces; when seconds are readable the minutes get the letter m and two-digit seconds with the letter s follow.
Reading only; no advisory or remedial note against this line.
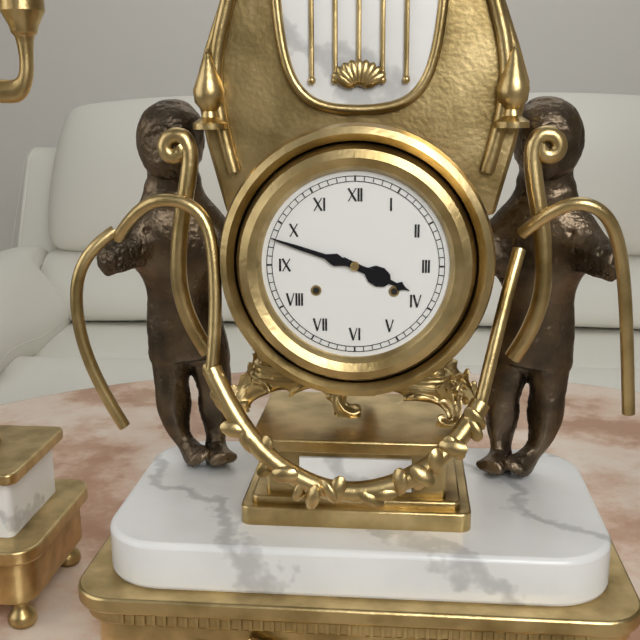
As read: 3h48
